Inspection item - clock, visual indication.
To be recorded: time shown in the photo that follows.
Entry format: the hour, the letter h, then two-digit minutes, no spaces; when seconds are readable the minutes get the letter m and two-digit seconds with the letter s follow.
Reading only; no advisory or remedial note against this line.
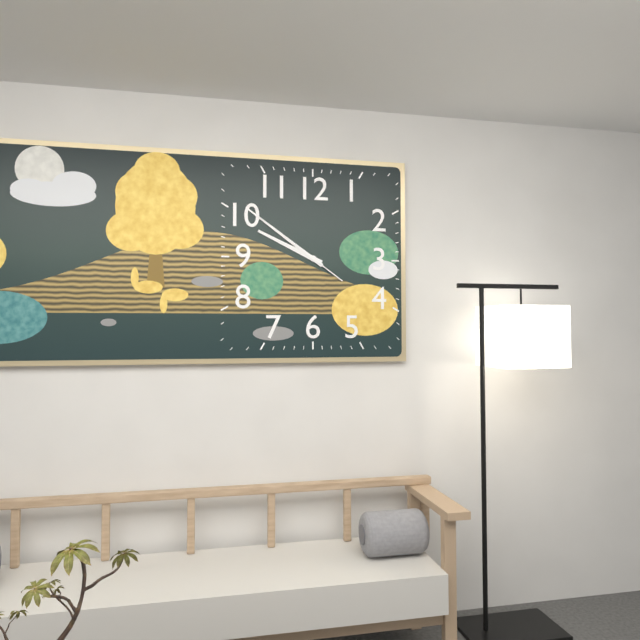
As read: 9h51m51s
